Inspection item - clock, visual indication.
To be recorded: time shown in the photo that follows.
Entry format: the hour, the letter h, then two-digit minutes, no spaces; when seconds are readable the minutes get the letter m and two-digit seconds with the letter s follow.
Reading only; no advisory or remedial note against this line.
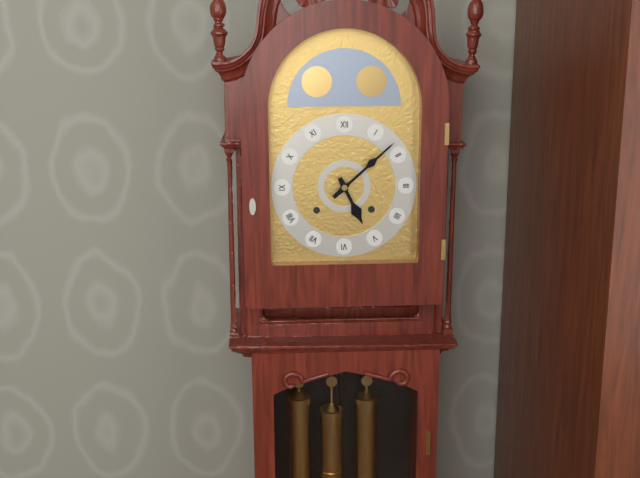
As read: 5h08
